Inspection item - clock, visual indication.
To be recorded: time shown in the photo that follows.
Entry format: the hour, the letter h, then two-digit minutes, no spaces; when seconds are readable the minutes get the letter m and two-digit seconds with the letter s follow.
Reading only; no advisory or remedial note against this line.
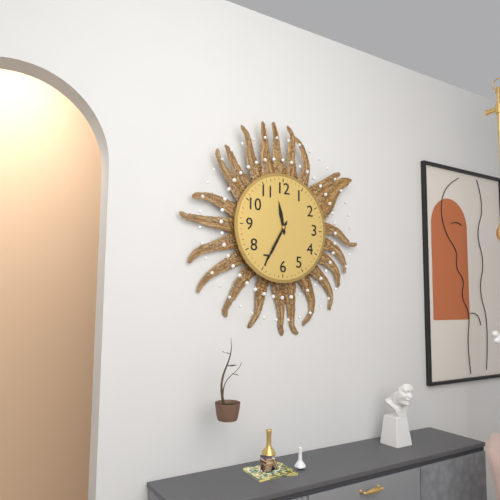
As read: 11h35
